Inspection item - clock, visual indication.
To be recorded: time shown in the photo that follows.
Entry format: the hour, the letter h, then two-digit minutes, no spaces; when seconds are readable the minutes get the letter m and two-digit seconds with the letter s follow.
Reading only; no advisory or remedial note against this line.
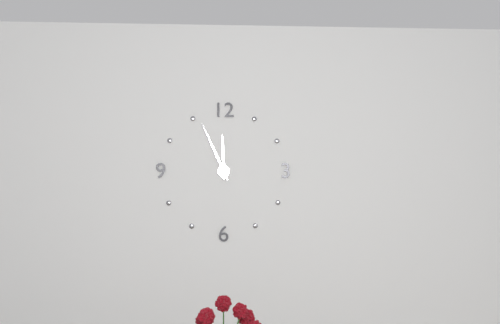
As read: 11h56
